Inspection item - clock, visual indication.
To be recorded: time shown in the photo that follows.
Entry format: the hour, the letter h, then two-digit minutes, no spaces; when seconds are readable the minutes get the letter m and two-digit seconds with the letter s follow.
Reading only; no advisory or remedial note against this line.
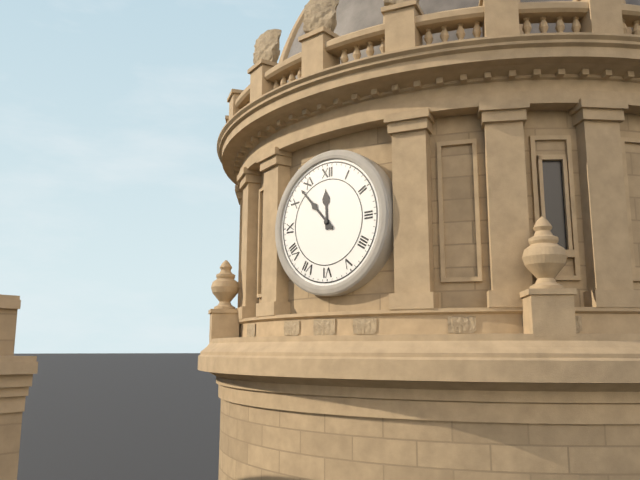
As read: 11h53
